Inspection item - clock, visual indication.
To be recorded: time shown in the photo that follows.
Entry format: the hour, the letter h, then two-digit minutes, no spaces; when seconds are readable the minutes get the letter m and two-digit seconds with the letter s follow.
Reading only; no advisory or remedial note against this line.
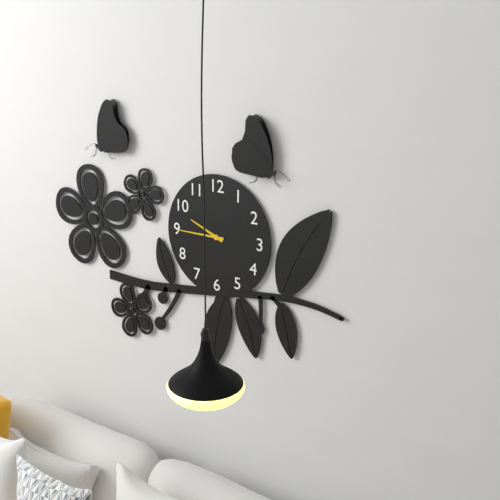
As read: 9h45
